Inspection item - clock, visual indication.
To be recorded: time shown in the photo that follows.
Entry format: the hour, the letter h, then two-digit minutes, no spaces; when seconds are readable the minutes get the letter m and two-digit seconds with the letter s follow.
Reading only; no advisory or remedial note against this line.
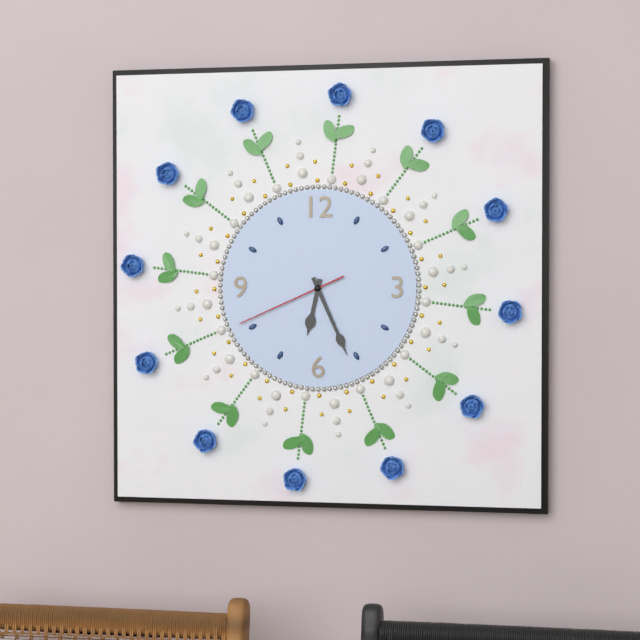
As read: 6h26m41s
